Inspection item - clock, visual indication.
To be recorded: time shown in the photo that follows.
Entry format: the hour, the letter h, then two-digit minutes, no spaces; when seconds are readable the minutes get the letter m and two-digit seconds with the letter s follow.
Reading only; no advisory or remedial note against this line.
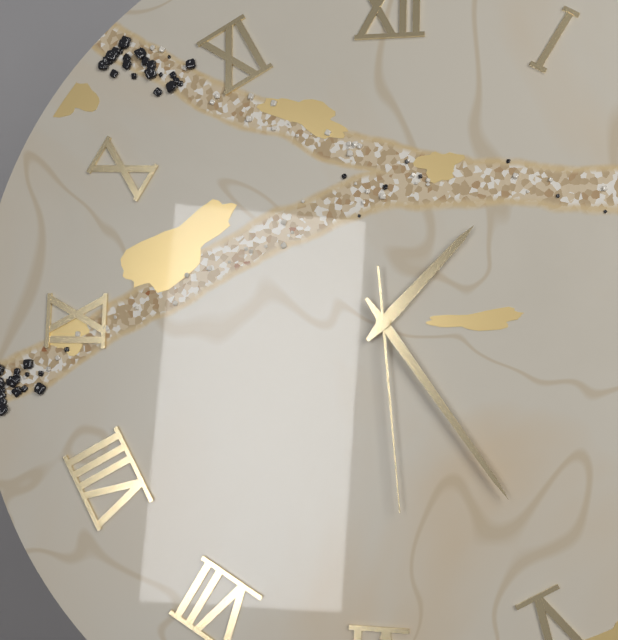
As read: 1h24m29s
